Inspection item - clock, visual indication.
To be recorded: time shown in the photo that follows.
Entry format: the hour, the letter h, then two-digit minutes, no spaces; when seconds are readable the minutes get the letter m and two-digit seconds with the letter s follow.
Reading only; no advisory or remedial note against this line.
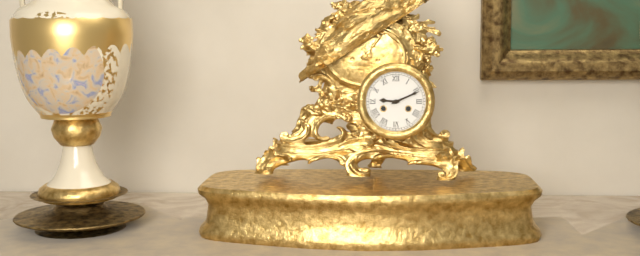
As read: 9h11
